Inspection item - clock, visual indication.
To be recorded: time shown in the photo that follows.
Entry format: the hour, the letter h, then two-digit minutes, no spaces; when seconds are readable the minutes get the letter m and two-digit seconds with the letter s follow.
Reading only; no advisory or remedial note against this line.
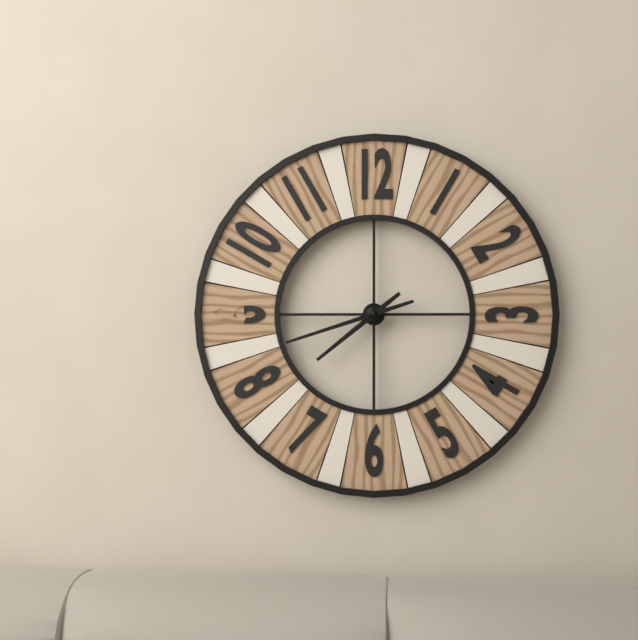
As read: 7h42
